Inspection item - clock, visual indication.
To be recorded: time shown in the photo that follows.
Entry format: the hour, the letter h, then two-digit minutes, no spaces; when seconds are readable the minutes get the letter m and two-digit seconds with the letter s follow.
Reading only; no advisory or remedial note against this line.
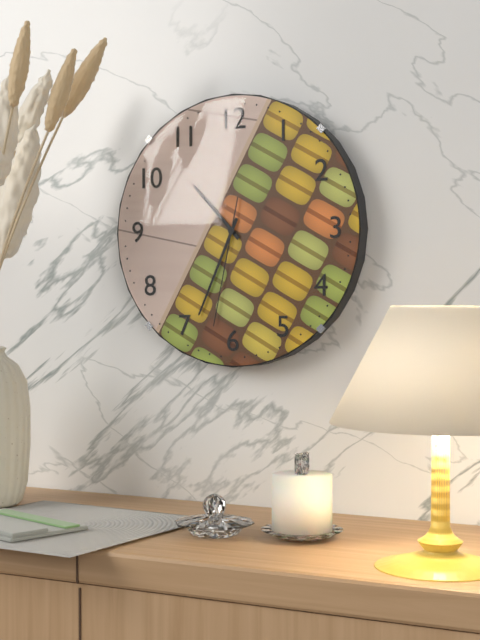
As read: 10h34m32s
